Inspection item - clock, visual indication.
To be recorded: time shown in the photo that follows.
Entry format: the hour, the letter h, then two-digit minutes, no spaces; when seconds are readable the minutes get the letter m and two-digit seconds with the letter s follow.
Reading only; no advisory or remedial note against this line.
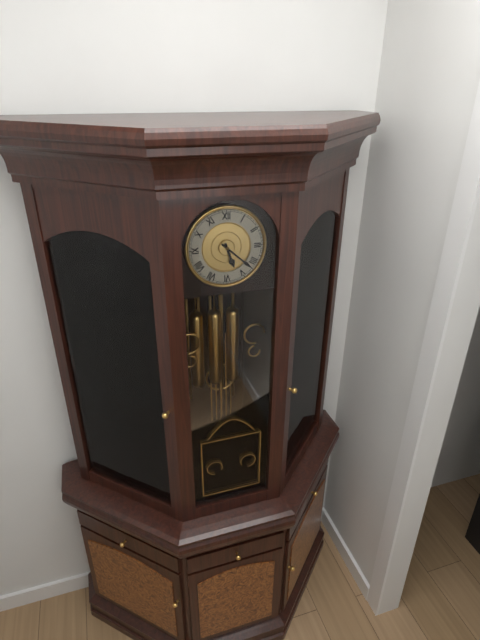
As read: 5h22
